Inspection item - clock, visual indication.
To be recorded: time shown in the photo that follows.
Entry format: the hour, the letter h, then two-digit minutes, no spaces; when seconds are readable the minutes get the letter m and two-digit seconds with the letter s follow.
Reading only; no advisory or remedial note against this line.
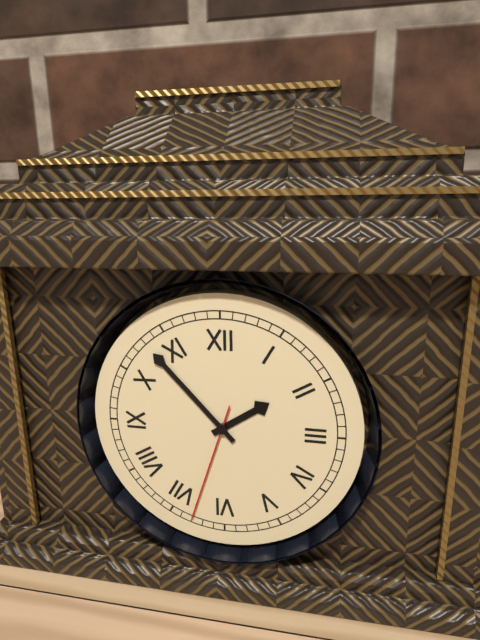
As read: 1h53m33s
